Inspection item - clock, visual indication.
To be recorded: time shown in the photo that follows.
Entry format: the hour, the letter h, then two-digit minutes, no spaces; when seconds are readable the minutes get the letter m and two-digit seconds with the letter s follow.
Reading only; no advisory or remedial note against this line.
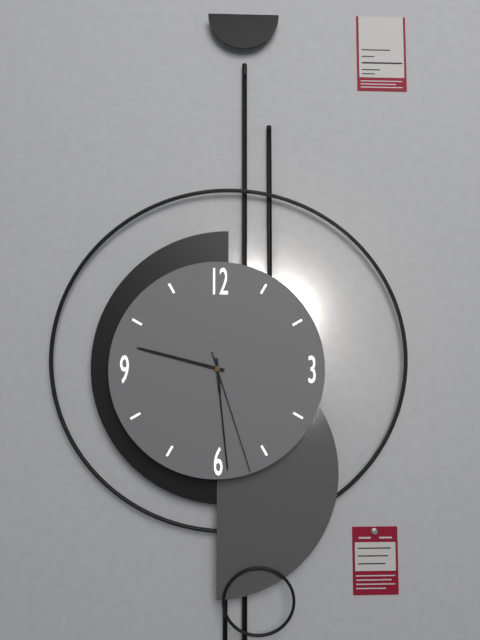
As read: 9h29m27s
